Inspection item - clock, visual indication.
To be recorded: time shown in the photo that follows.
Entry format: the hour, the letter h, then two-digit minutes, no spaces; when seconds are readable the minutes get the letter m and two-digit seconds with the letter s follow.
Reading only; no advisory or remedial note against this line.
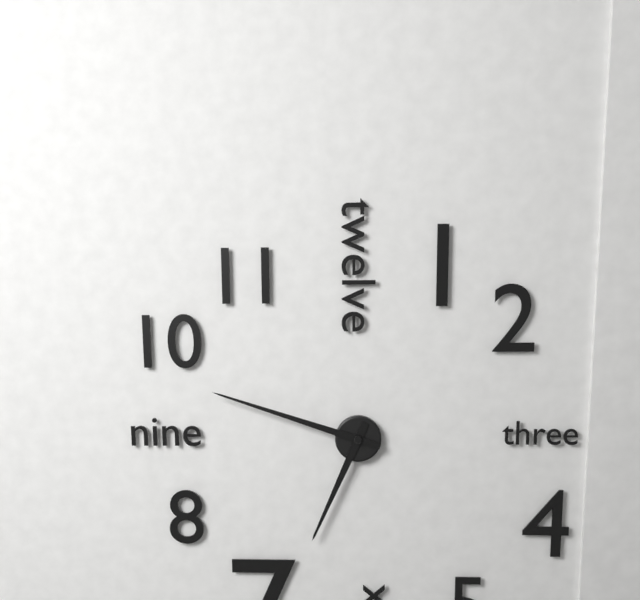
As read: 6h48
